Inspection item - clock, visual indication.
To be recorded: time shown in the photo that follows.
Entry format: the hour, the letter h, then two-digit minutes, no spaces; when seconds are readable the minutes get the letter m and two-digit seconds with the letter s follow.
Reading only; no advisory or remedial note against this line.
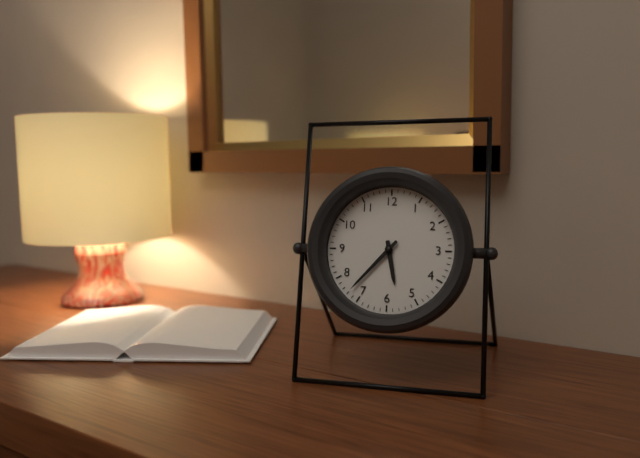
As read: 5h37
